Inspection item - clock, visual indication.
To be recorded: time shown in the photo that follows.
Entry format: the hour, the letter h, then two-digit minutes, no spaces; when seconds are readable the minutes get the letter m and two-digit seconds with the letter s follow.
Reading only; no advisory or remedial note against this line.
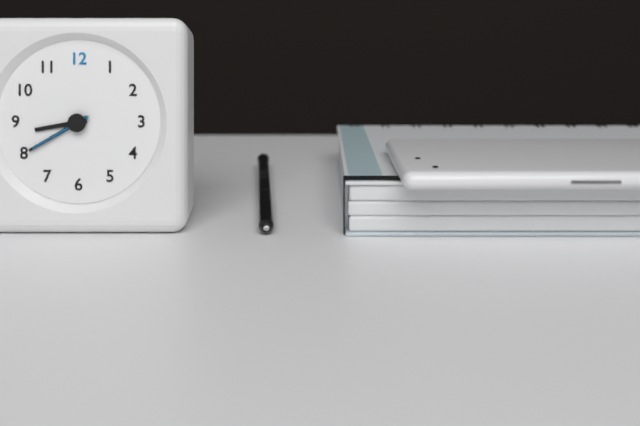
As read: 8h40m40s
